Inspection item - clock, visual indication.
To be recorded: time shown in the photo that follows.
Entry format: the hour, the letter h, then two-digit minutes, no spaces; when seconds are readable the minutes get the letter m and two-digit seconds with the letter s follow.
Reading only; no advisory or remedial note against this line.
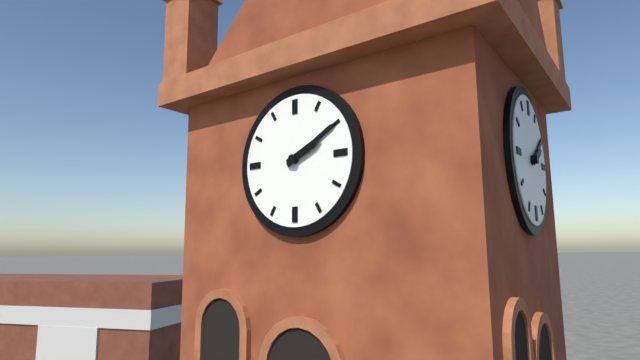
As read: 2h10
